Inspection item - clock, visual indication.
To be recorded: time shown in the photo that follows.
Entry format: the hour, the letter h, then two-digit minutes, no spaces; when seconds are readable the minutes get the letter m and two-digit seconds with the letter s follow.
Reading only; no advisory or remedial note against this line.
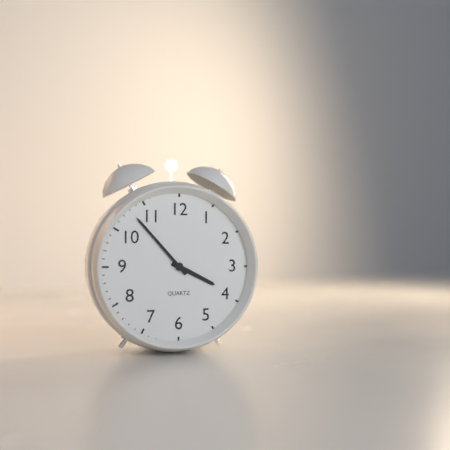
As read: 3h53
